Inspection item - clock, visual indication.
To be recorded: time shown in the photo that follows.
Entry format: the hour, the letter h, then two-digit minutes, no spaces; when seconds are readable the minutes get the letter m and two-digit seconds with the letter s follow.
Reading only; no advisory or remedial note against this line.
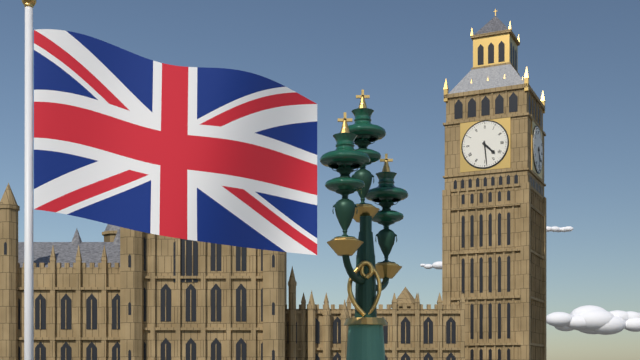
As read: 4h29
